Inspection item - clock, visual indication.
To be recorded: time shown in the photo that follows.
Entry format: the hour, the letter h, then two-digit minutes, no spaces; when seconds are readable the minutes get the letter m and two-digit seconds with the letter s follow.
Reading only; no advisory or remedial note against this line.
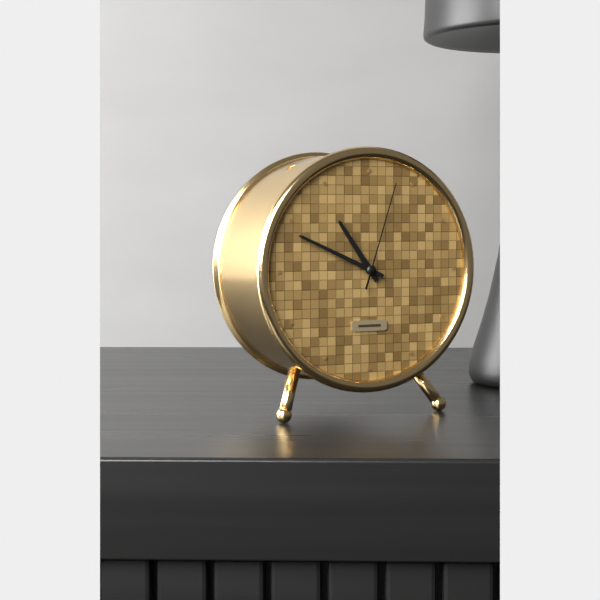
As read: 10h49m03s
